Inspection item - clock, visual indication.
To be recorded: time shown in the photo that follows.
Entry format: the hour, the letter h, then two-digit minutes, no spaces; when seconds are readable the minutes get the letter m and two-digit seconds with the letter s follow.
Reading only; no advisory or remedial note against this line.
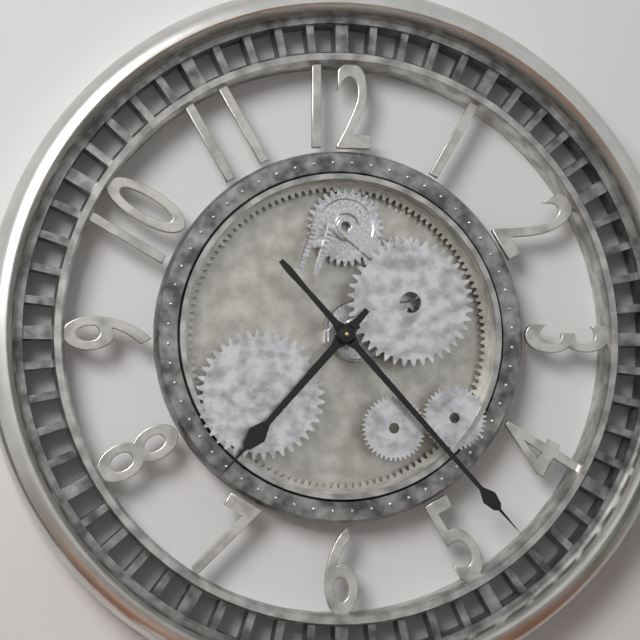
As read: 7h23
